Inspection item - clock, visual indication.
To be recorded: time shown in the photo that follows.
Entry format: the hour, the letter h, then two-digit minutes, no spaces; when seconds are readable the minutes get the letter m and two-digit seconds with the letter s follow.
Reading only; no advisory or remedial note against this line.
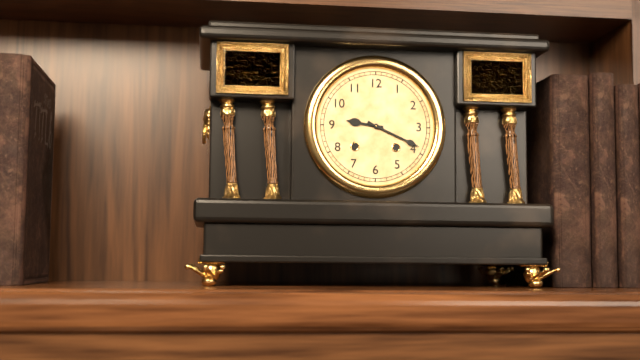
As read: 9h19
